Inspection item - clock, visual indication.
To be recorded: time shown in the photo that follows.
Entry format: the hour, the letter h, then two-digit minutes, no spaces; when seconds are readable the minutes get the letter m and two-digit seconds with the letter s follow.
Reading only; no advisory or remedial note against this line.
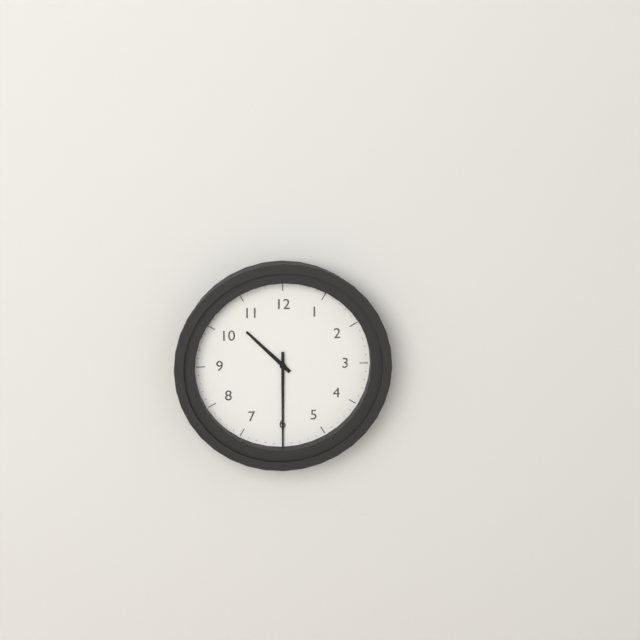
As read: 10h30
